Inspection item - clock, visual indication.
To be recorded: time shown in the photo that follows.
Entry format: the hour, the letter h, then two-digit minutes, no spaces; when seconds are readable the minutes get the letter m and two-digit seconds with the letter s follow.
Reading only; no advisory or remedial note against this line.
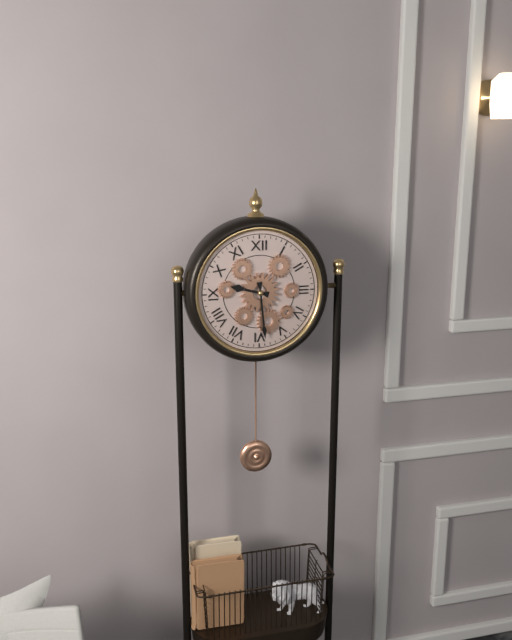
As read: 9h29
